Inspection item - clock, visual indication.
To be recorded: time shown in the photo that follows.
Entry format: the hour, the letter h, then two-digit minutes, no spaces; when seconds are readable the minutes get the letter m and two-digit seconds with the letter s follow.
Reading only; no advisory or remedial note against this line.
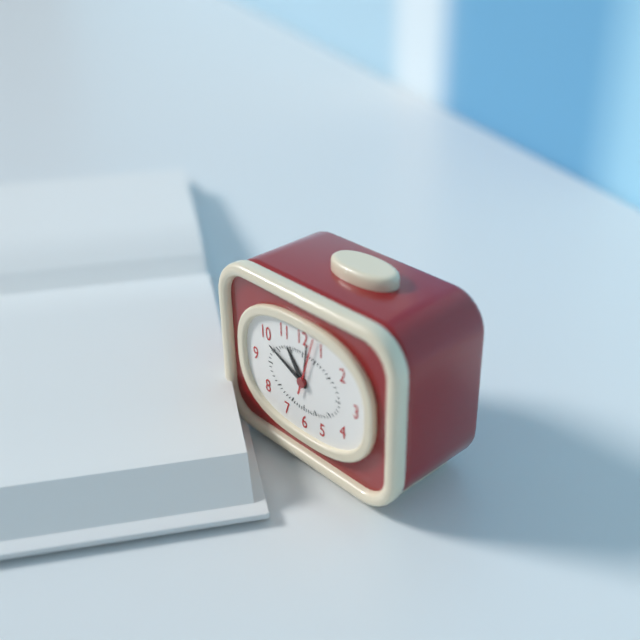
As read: 10h49
